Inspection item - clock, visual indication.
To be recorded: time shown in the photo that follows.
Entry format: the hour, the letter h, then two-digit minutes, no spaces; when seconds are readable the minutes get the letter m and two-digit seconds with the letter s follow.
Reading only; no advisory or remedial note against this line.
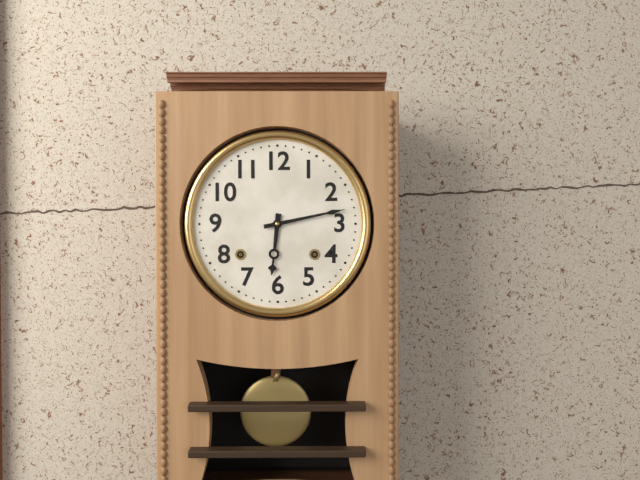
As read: 6h13
